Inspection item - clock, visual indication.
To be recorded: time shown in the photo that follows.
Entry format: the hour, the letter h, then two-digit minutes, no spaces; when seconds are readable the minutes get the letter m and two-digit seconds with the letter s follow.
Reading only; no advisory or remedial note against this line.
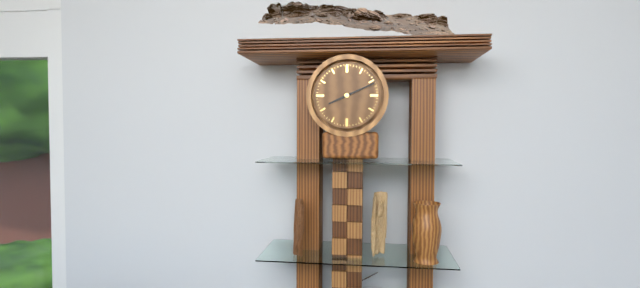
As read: 8h11
